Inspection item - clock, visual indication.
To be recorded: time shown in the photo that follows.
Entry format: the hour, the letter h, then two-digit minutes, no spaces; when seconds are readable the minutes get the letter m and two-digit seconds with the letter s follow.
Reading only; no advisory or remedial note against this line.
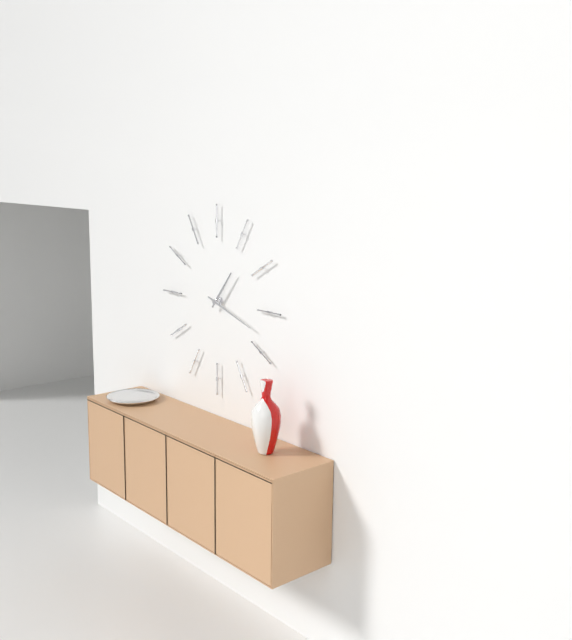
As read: 1h18
